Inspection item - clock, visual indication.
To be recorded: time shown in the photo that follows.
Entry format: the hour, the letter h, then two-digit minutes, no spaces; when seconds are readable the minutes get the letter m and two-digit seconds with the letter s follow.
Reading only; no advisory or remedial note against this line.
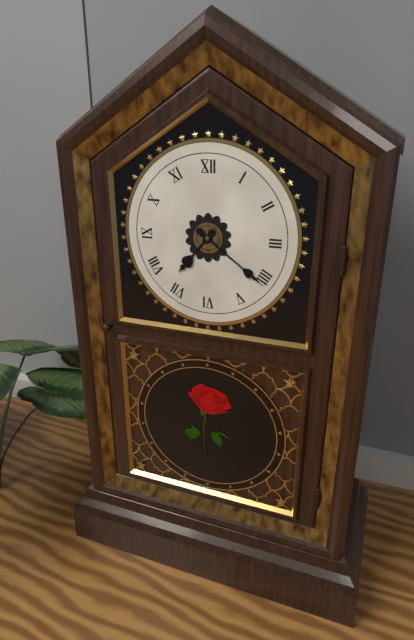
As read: 7h21
